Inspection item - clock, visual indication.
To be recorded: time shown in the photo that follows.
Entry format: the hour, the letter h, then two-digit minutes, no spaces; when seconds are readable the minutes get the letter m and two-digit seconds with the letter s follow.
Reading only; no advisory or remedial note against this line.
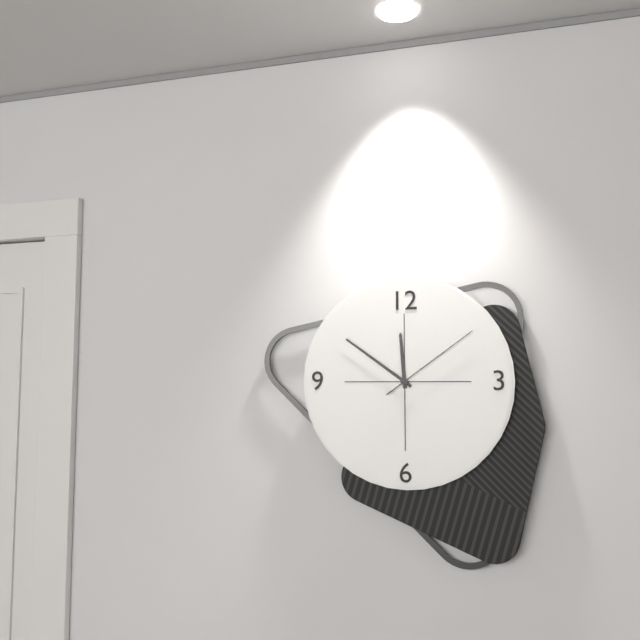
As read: 11h51m09s
